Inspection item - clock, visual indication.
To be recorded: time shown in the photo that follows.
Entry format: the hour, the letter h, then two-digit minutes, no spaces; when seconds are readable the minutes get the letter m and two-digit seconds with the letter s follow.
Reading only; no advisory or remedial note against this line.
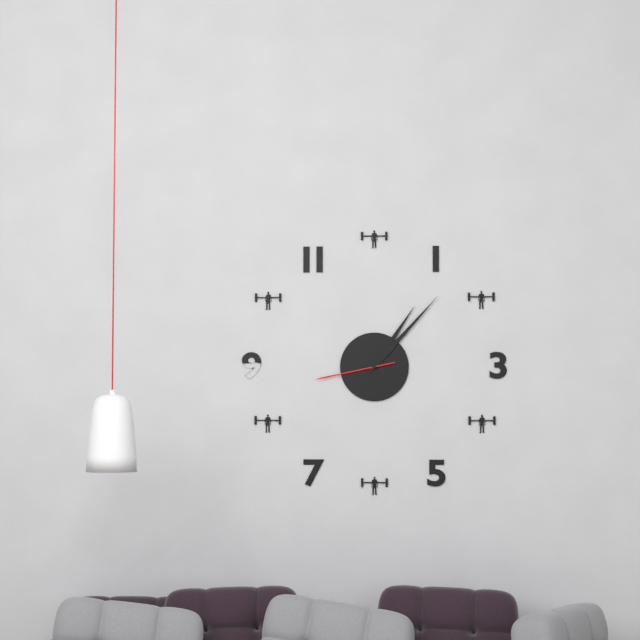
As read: 1h07m43s
